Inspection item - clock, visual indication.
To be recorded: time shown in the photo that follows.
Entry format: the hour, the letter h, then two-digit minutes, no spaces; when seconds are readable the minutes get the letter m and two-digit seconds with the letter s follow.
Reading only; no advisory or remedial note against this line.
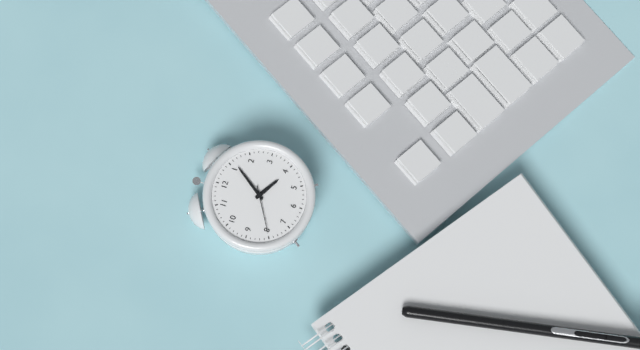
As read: 4h06
